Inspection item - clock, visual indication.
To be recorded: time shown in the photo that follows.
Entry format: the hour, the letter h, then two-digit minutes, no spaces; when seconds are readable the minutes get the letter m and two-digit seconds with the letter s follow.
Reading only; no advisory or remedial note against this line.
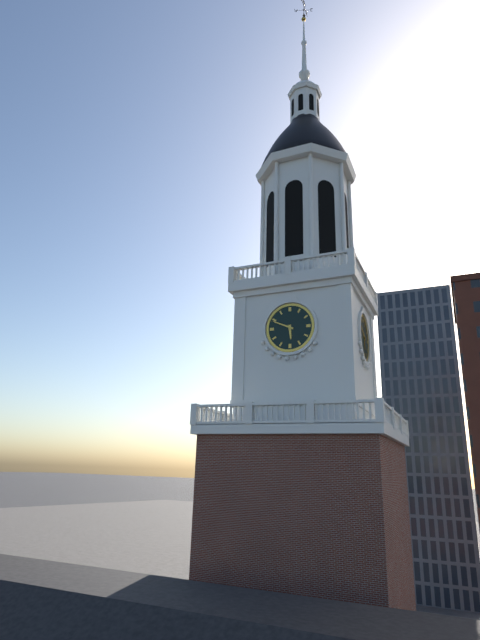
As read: 5h49
